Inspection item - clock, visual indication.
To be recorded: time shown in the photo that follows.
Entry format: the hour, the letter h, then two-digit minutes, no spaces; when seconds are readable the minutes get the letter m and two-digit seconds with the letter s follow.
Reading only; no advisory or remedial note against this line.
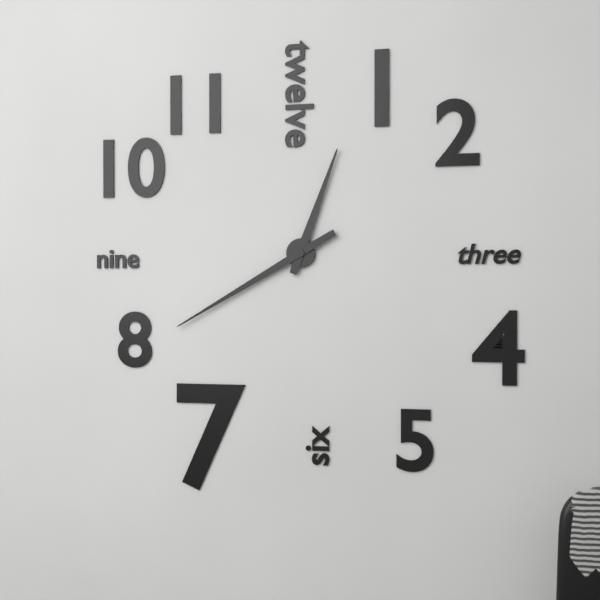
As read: 12h40
